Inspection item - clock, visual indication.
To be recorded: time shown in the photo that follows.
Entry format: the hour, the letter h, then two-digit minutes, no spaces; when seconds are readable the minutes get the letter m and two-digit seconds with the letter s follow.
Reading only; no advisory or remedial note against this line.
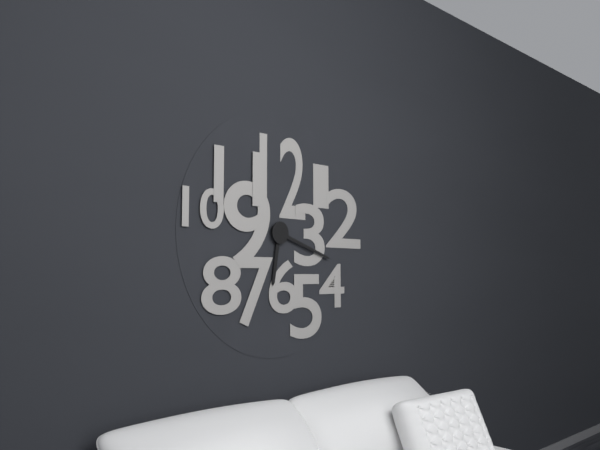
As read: 6h18
